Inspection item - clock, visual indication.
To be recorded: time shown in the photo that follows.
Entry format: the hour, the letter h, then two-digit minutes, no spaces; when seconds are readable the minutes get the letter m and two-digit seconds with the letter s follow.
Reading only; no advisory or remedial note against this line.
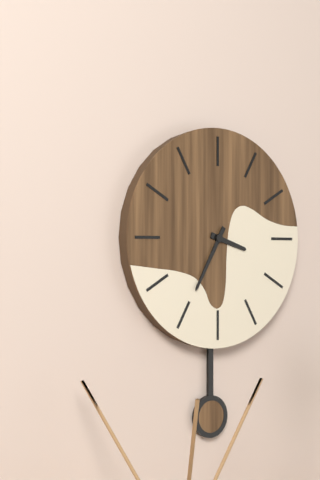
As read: 3h35
